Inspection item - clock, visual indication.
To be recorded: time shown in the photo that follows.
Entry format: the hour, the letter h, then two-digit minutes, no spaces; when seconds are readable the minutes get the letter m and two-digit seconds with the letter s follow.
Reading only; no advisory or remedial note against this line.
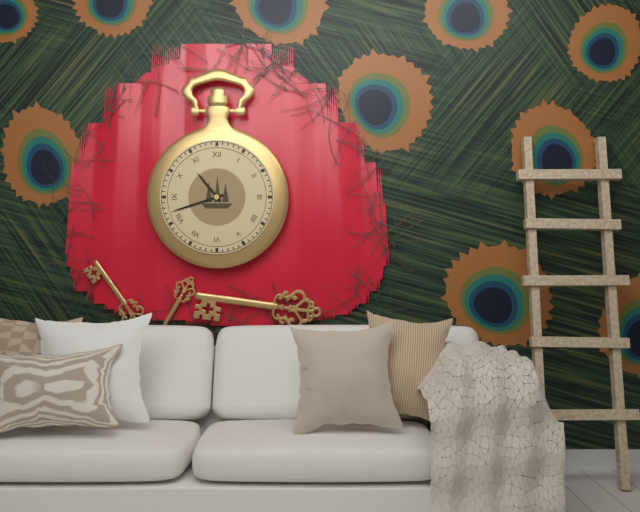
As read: 10h42
